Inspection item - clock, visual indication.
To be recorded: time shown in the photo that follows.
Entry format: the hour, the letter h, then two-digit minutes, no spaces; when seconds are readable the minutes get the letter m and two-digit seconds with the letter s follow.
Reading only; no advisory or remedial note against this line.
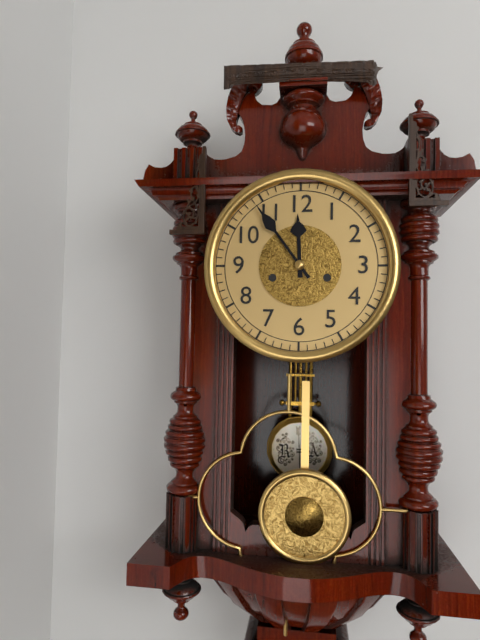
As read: 11h54
